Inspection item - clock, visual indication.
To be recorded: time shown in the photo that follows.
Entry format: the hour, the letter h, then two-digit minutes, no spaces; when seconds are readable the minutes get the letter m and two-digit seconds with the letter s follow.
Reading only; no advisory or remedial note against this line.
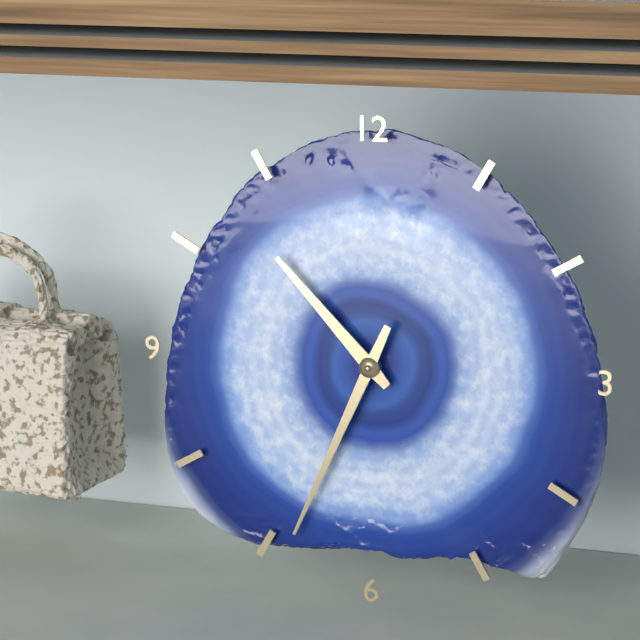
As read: 10h34
